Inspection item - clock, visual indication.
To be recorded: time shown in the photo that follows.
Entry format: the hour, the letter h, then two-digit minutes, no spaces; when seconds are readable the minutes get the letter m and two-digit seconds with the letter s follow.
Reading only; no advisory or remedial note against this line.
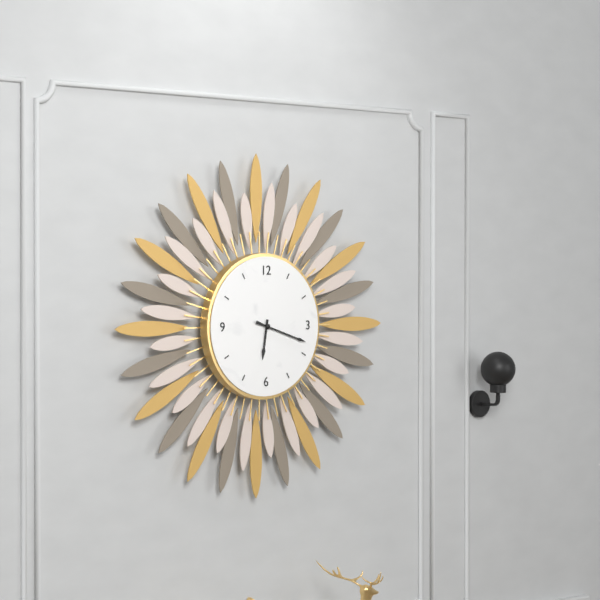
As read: 6h18
